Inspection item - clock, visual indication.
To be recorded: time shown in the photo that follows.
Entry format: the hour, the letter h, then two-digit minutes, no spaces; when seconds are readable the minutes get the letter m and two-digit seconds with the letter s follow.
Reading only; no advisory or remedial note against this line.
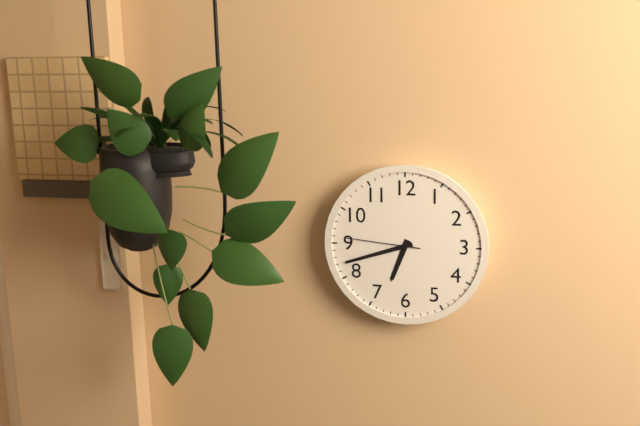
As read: 6h42m46s
